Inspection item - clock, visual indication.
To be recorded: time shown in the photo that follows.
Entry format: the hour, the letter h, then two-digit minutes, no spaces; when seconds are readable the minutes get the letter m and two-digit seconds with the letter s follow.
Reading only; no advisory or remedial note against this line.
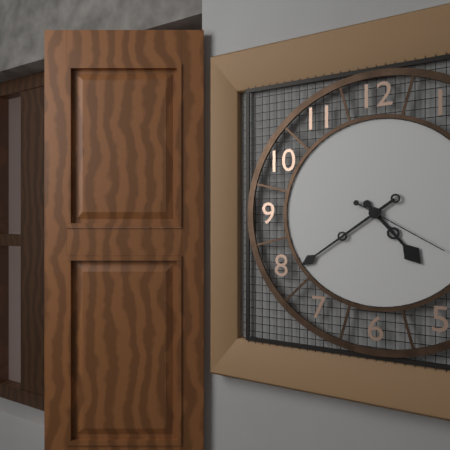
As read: 4h39m20s
